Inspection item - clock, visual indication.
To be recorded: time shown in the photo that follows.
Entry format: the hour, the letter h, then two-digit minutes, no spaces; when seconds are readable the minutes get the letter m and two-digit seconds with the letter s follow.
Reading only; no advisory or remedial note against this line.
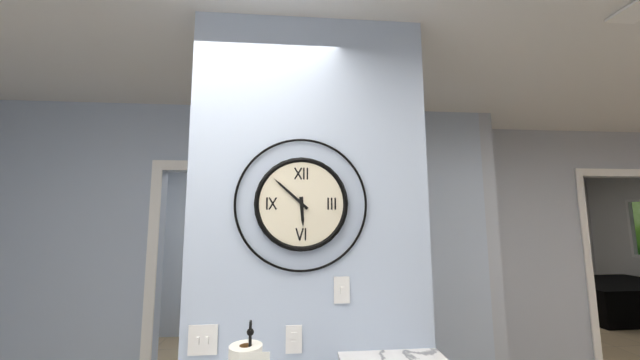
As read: 5h52
